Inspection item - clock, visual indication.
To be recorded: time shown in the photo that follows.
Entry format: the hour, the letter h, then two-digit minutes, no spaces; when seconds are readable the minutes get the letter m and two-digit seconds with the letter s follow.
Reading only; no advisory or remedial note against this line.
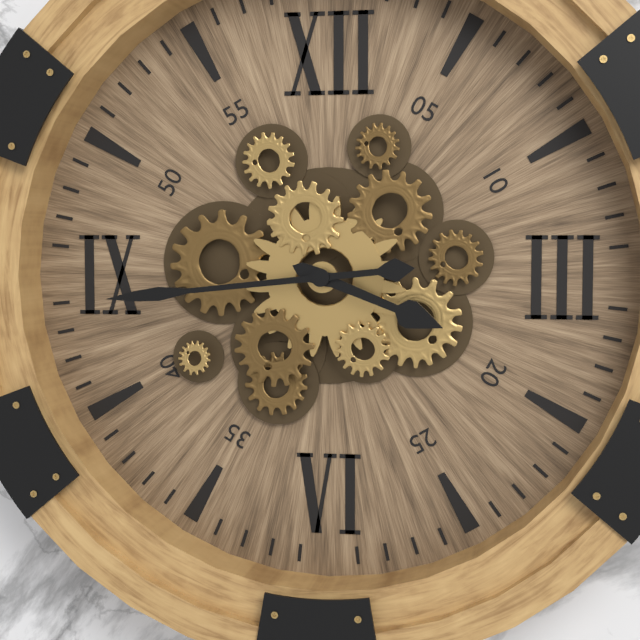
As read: 3h44
